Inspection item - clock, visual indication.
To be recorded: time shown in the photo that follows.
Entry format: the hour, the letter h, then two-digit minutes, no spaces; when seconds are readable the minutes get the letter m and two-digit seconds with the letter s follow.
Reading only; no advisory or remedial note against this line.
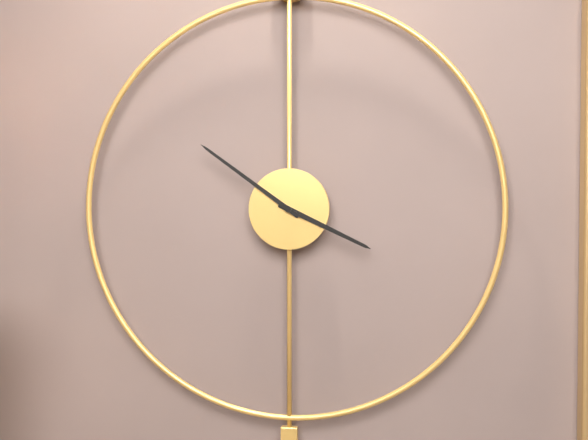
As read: 3h51
